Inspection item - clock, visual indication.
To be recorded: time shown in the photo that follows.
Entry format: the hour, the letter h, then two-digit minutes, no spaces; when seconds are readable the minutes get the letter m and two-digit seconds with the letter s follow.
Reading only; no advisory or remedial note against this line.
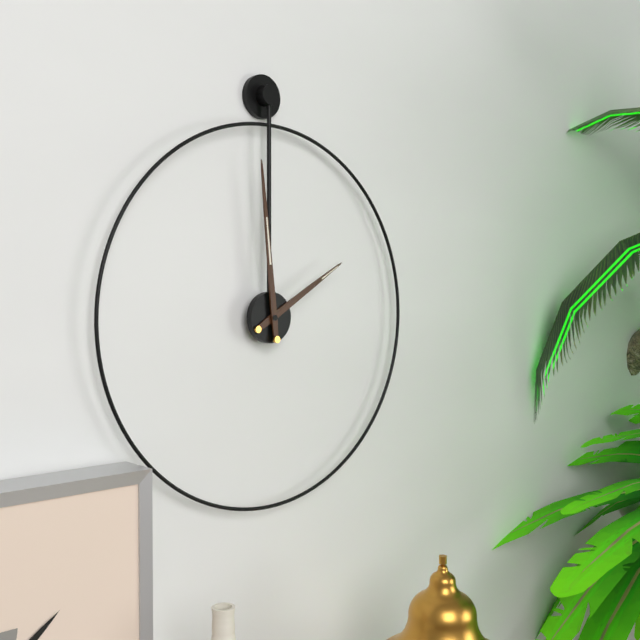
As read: 1h59
